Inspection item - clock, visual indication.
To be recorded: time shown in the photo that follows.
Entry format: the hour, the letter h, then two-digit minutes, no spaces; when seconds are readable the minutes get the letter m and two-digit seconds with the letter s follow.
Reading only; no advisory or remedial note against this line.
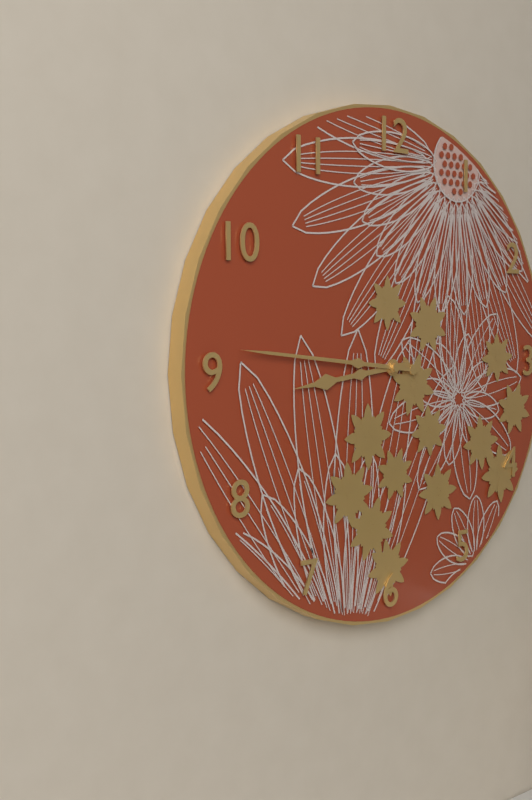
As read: 8h46
